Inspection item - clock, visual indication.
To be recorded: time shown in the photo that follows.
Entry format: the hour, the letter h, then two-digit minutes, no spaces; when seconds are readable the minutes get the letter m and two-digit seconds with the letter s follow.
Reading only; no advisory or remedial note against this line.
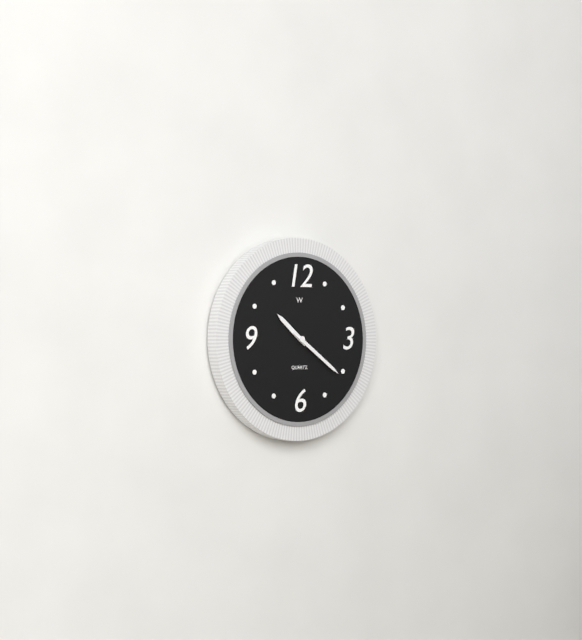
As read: 10h21
